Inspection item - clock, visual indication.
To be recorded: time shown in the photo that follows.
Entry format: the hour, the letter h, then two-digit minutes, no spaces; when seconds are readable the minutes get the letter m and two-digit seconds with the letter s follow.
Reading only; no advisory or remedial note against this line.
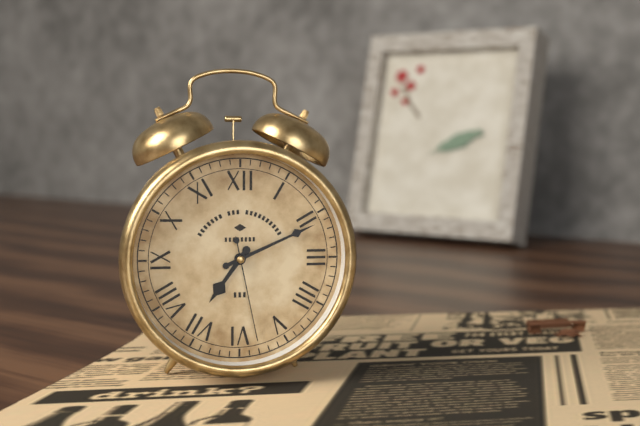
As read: 7h11m28s
